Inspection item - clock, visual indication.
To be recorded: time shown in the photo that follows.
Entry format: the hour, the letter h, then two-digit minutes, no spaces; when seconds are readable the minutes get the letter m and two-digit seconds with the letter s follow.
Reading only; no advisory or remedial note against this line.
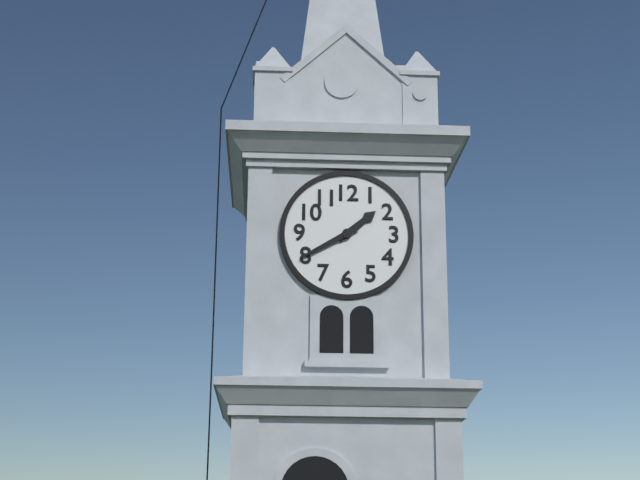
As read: 1h40
